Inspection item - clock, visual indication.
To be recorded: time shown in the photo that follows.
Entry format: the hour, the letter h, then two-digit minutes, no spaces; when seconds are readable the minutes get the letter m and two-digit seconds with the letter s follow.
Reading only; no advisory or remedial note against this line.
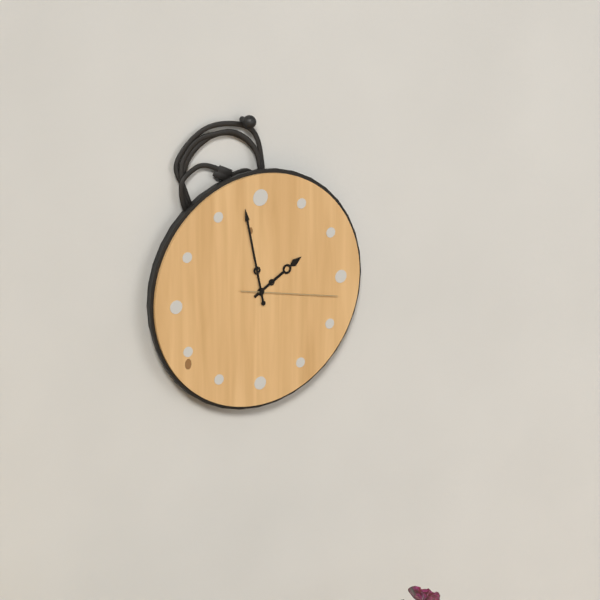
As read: 1h58m17s
